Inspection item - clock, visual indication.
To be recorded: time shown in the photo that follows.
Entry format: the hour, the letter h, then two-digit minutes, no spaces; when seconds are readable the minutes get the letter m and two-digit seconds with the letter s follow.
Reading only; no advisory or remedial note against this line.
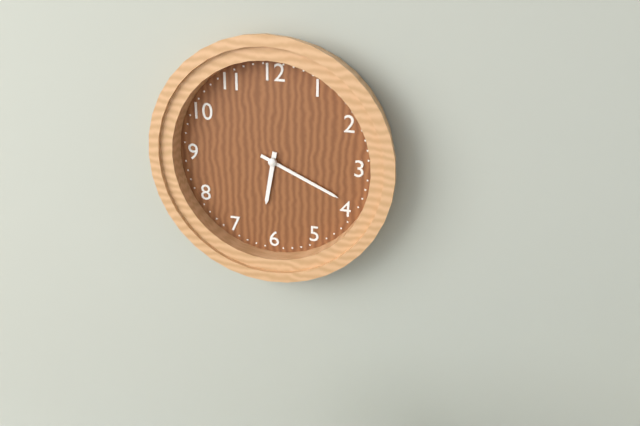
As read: 6h19
